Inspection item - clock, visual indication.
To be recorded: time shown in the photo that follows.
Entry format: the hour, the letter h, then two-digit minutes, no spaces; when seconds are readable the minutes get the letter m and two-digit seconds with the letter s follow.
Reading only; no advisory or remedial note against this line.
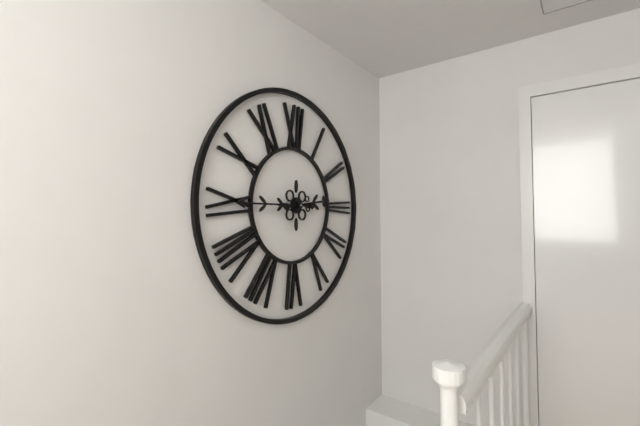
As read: 2h45
